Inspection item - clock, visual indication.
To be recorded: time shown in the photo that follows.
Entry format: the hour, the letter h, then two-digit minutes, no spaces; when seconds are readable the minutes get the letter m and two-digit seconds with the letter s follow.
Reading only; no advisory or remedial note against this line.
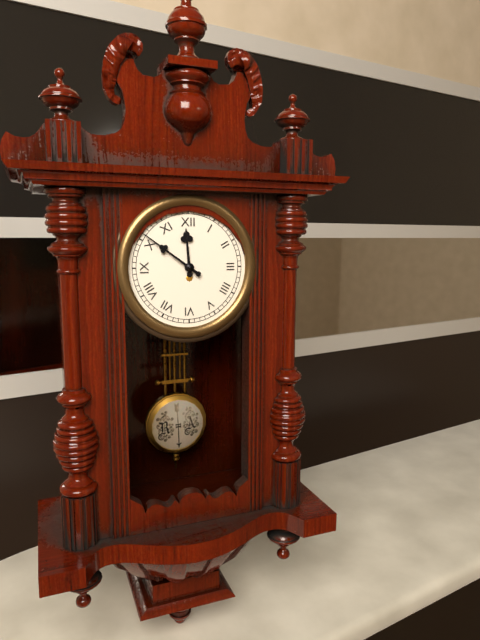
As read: 11h51
